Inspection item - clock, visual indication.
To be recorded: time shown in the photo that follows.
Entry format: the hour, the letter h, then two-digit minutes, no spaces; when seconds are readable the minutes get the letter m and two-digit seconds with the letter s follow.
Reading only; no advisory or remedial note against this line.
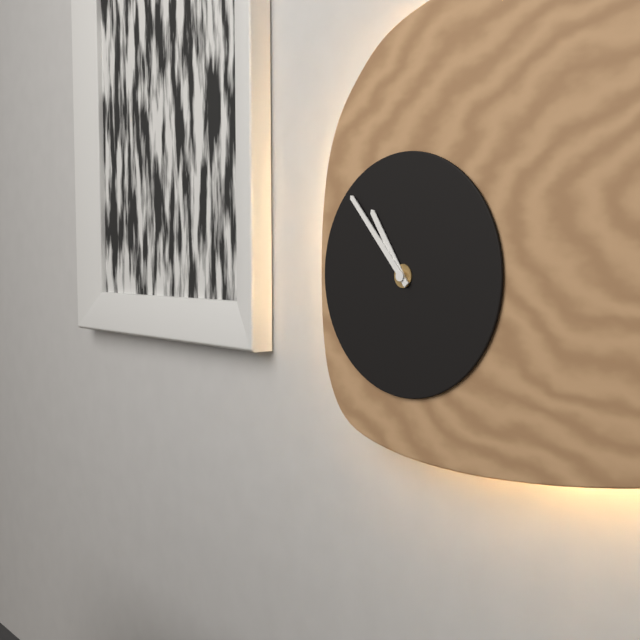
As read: 10h53
